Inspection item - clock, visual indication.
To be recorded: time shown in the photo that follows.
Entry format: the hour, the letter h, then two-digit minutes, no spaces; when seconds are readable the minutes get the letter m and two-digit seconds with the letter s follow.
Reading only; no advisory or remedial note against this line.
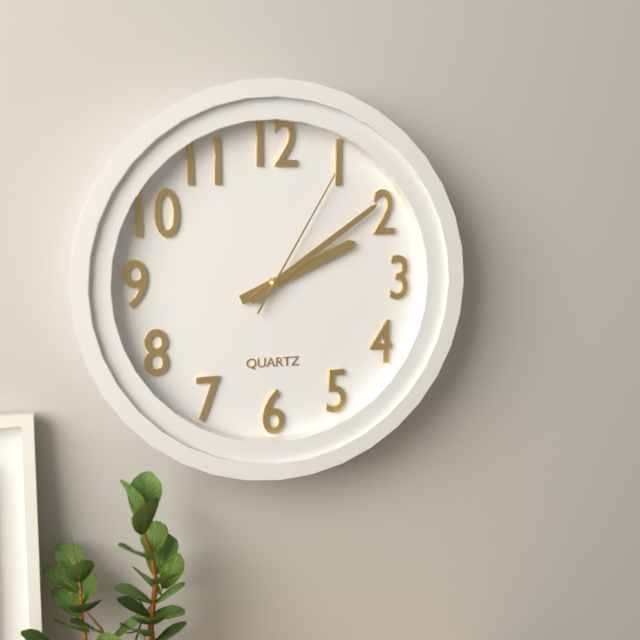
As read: 2h09m05s
